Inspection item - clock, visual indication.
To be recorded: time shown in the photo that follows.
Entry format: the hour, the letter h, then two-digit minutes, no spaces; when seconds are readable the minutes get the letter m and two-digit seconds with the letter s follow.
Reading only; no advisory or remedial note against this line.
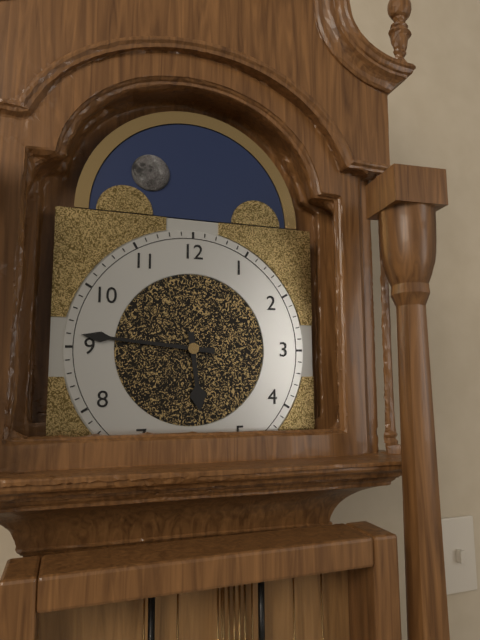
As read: 5h46
